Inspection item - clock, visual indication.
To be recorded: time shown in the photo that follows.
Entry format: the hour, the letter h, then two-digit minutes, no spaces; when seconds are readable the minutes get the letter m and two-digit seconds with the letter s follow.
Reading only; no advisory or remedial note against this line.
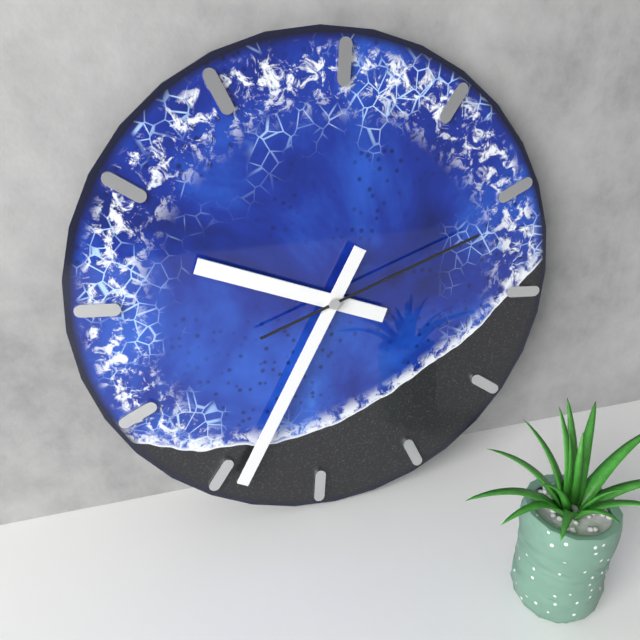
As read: 9h34m11s
